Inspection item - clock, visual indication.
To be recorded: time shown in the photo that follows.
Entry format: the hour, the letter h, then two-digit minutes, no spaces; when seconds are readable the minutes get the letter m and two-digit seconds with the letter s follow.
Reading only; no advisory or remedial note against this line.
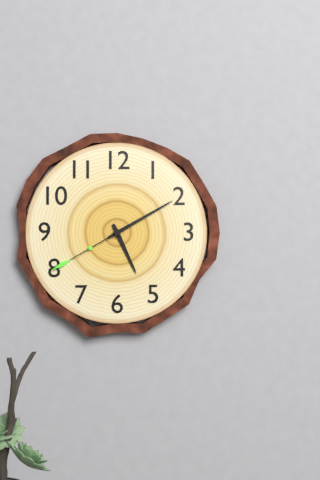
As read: 5h10m40s
